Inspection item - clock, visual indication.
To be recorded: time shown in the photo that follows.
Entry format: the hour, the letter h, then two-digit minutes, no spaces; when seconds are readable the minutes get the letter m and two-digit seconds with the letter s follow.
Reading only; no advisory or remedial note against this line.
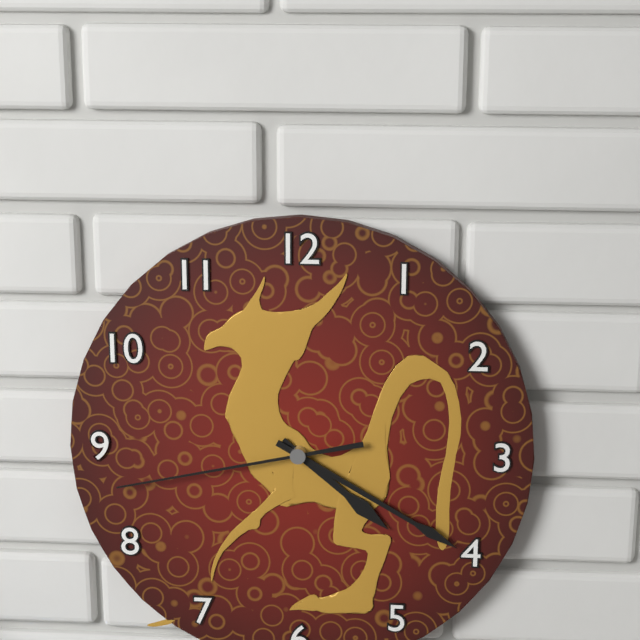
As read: 4h20m43s
